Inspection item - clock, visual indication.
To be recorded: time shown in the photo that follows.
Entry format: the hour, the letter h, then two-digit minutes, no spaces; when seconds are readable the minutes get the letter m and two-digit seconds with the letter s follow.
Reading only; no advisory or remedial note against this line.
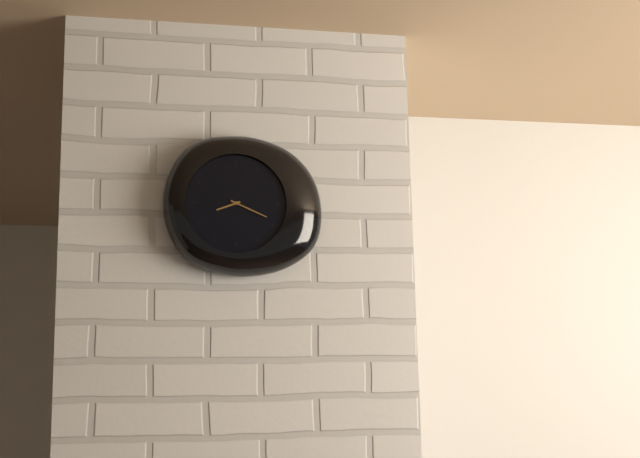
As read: 8h19
